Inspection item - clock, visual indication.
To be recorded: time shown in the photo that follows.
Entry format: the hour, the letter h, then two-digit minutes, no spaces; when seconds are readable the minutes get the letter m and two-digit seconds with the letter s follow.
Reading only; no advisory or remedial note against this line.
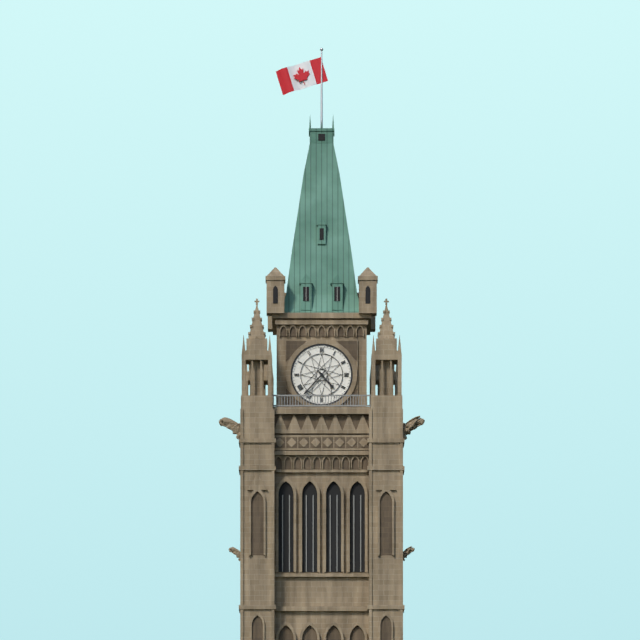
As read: 4h37
